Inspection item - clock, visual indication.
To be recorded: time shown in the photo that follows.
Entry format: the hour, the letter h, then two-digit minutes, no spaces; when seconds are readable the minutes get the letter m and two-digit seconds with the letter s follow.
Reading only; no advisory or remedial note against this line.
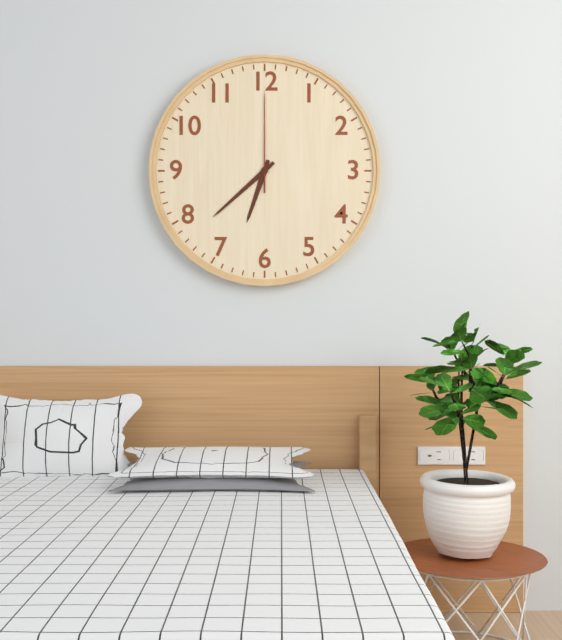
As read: 6h38m00s
